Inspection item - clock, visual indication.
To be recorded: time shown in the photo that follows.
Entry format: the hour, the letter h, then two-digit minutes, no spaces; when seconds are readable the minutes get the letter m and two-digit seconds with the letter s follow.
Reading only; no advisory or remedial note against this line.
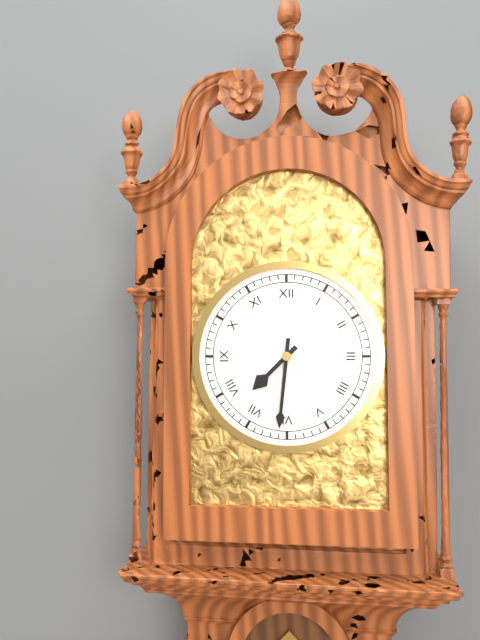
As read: 7h31
